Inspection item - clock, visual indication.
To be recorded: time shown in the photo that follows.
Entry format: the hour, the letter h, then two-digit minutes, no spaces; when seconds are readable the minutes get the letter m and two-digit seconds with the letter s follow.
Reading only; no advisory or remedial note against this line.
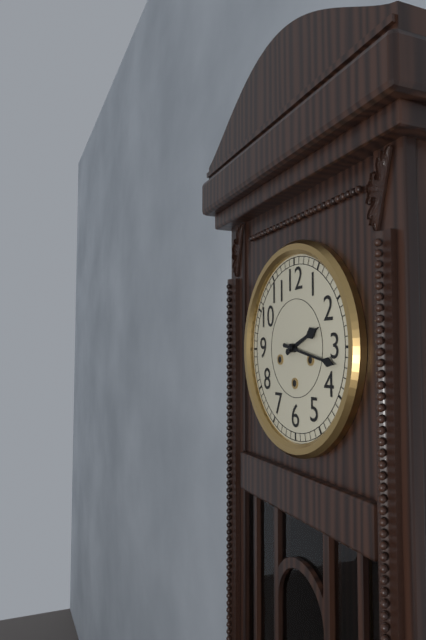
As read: 2h17
